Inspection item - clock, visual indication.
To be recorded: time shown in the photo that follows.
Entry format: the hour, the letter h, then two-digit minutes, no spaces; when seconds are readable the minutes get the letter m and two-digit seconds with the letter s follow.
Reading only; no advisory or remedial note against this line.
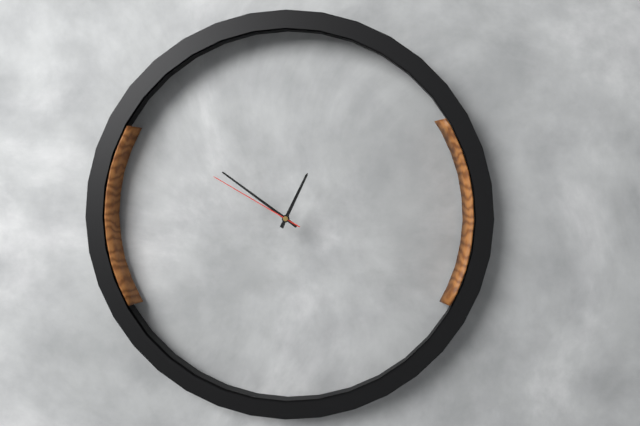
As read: 12h51m50s
